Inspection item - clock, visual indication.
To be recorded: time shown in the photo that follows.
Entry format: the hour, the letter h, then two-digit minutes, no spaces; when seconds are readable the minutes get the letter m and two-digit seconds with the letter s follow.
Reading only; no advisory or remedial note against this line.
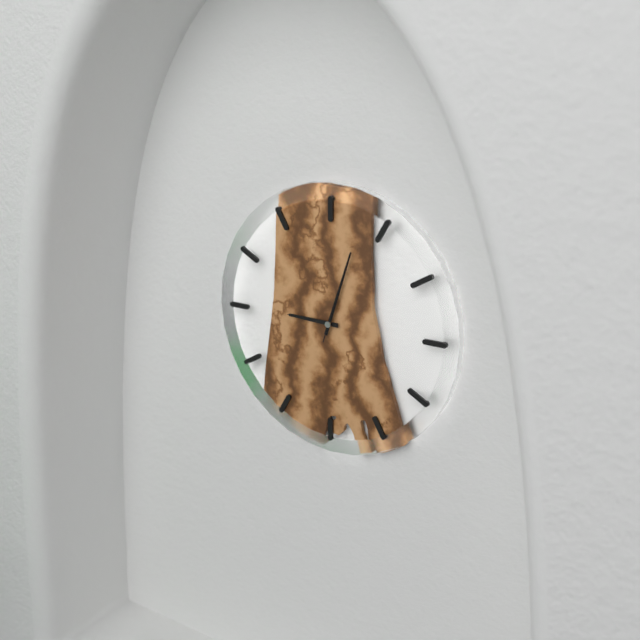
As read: 9h03m03s
